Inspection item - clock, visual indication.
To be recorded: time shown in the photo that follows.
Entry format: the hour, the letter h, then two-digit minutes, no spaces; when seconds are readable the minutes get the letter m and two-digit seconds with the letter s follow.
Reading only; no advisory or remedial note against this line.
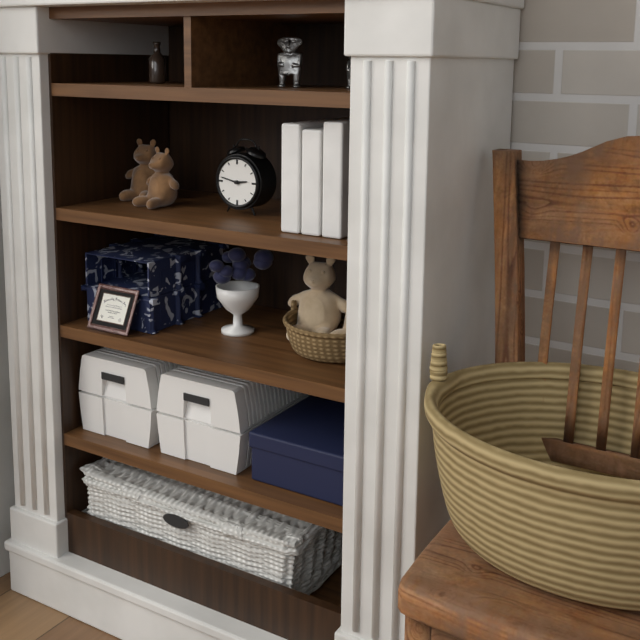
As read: 2h47
